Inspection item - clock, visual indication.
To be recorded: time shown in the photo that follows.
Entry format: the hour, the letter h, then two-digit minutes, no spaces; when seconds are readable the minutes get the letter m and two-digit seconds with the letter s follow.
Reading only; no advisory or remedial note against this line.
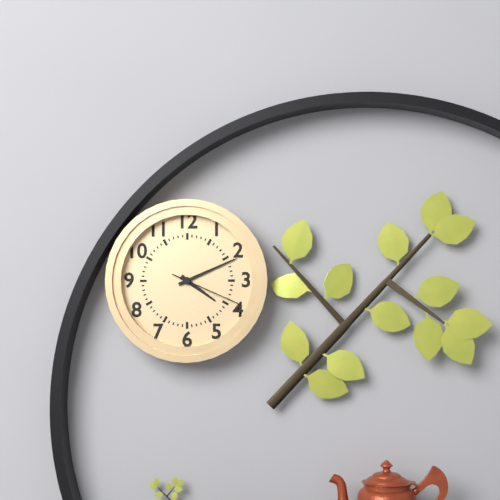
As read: 4h11m19s
